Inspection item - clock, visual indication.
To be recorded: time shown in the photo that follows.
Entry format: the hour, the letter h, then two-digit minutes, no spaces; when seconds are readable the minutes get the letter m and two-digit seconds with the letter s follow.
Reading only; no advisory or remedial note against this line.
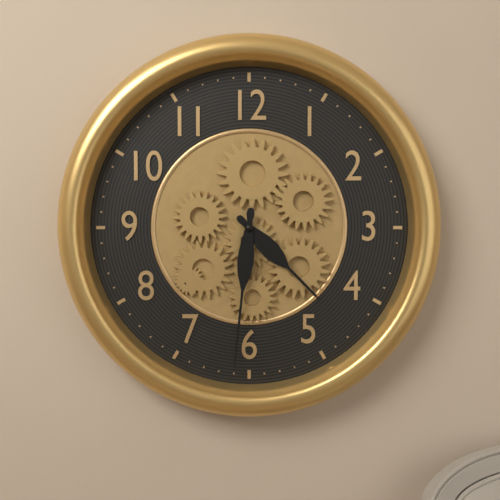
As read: 4h31
